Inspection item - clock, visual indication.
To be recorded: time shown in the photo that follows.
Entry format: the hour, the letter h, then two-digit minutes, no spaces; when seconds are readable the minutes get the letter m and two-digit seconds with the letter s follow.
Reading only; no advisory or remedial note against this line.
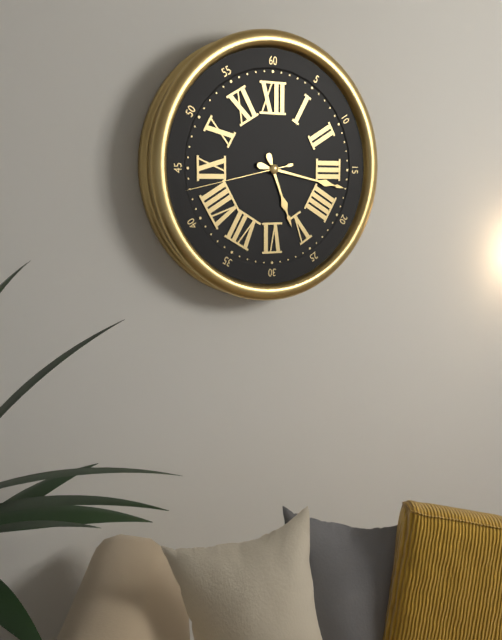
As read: 5h17m43s
